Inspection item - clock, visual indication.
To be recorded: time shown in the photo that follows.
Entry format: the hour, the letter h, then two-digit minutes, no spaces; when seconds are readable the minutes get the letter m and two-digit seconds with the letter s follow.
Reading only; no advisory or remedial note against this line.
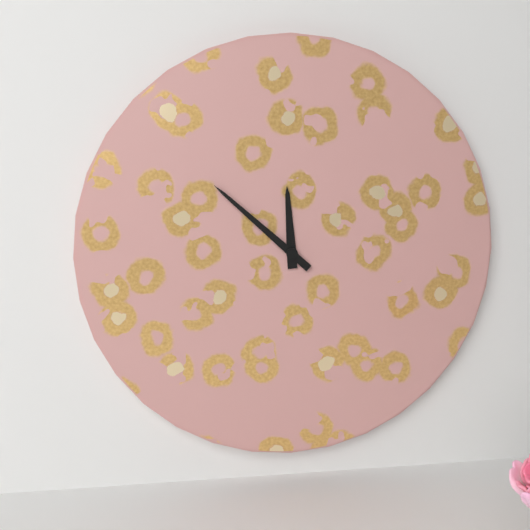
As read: 11h52
